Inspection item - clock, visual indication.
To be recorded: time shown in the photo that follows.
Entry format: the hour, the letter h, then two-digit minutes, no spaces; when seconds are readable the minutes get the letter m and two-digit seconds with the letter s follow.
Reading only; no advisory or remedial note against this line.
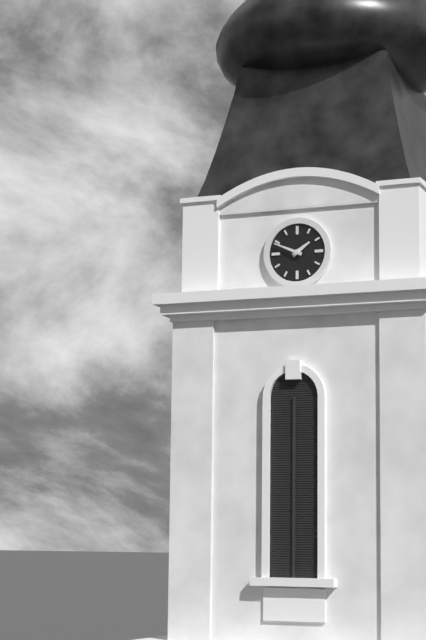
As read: 1h49
